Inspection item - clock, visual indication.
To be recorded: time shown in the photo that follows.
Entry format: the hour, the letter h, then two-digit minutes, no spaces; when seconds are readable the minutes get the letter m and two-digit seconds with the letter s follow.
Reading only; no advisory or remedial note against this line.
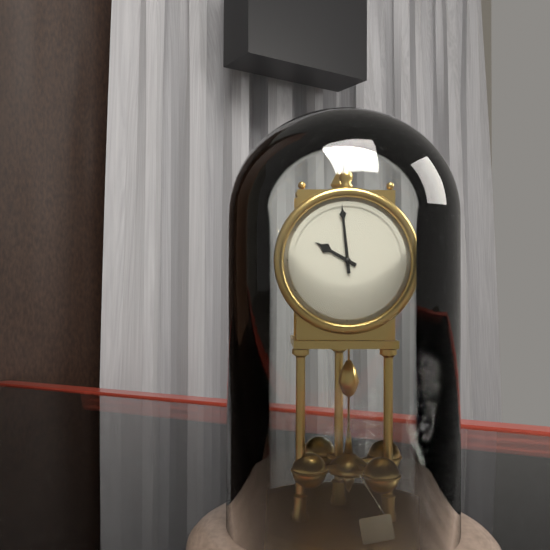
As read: 9h59
